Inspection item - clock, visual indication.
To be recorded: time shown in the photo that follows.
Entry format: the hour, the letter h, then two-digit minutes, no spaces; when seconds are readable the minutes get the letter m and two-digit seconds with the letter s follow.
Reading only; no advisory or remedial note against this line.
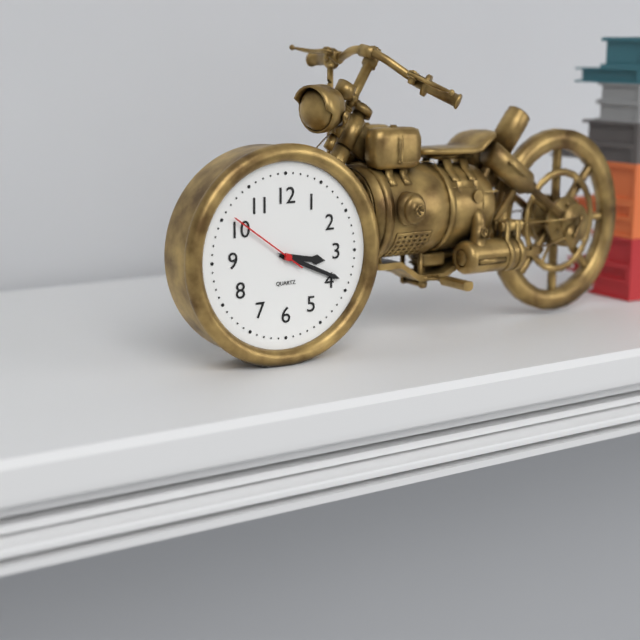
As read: 3h19m51s
